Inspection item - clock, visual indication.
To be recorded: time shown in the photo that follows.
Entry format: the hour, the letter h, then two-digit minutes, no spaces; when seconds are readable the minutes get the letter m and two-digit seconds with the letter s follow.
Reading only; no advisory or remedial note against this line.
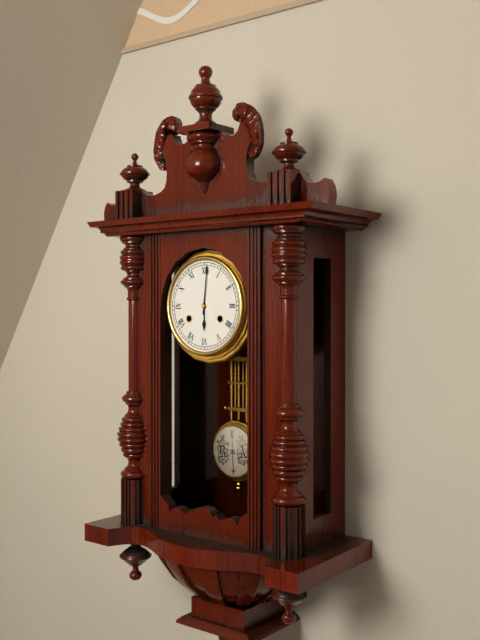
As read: 6h01
